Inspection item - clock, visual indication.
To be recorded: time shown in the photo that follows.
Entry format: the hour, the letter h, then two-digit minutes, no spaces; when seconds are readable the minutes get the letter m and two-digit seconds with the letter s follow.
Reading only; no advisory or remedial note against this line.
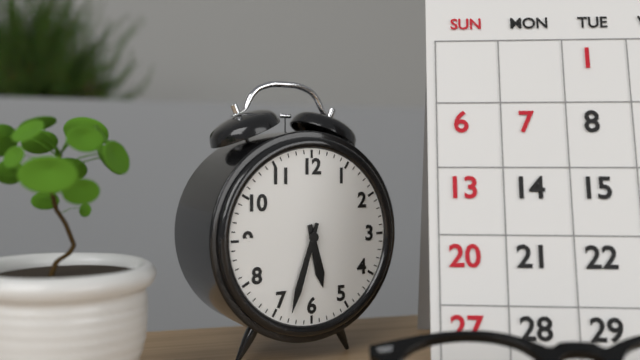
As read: 5h33
